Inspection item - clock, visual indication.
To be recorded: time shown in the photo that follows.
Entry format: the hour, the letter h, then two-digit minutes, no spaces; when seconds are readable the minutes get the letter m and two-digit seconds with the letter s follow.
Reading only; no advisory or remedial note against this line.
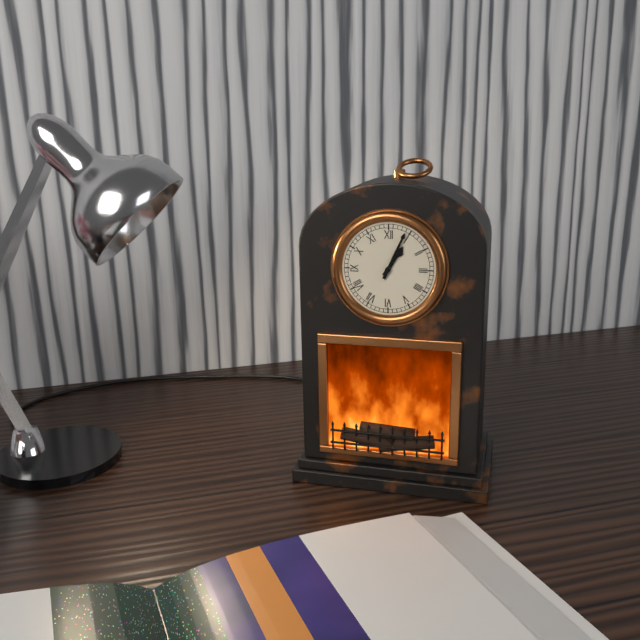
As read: 1h04
